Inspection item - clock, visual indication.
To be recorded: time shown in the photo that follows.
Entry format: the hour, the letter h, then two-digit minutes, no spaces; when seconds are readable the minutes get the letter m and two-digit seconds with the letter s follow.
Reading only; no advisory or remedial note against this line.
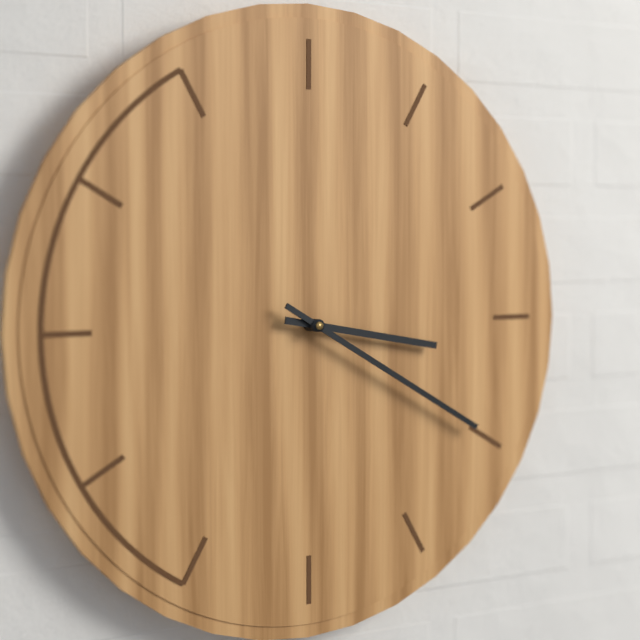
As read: 3h20
